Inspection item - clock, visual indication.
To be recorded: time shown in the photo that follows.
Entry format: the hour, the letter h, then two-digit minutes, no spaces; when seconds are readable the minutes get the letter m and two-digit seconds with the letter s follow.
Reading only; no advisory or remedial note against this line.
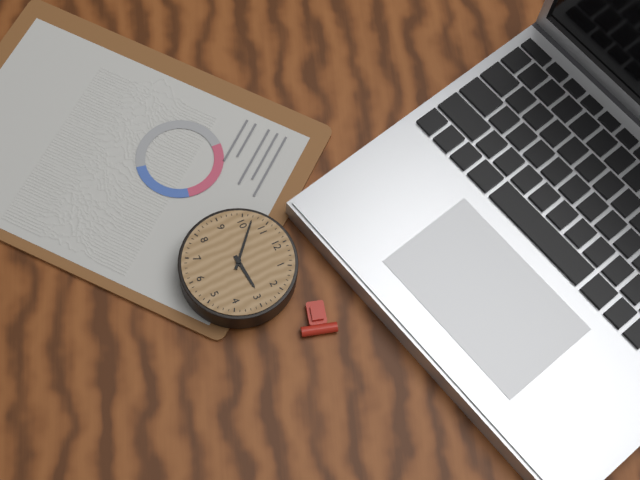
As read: 2h52
